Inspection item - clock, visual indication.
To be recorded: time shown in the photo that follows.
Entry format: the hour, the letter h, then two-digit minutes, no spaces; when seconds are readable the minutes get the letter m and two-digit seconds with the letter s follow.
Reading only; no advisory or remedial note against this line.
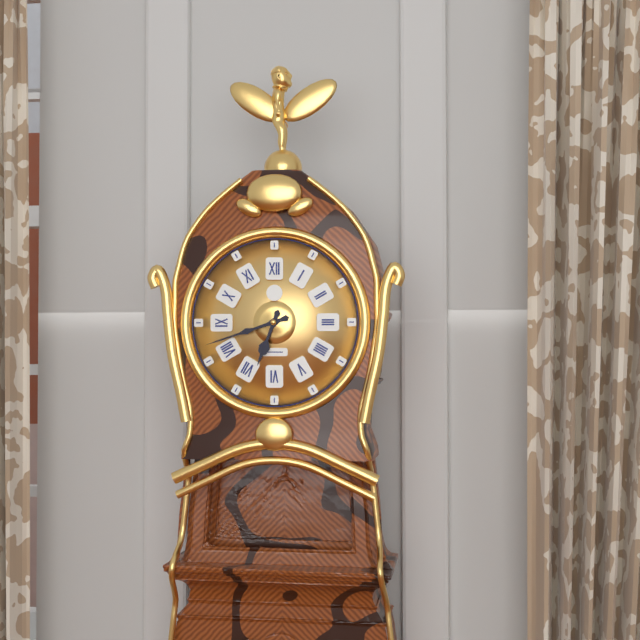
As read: 6h42
